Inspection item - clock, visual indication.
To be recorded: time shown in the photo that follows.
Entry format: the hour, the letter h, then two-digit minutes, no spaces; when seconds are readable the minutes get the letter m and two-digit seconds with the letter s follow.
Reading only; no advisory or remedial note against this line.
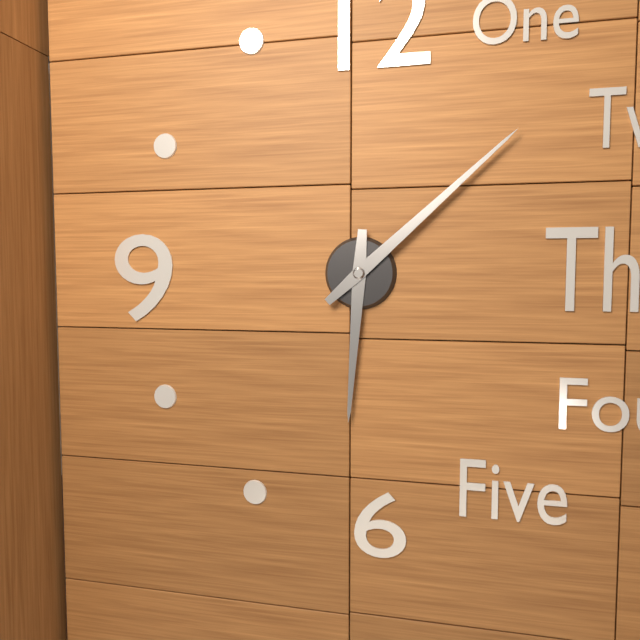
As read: 6h08
